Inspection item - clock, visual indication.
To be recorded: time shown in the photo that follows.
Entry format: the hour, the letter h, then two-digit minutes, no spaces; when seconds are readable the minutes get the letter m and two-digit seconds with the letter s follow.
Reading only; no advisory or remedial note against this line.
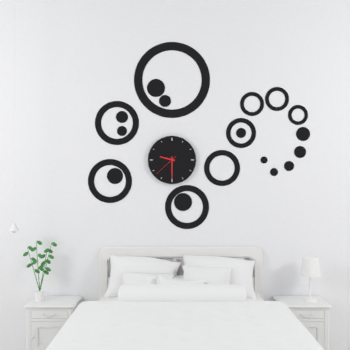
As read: 9h30
